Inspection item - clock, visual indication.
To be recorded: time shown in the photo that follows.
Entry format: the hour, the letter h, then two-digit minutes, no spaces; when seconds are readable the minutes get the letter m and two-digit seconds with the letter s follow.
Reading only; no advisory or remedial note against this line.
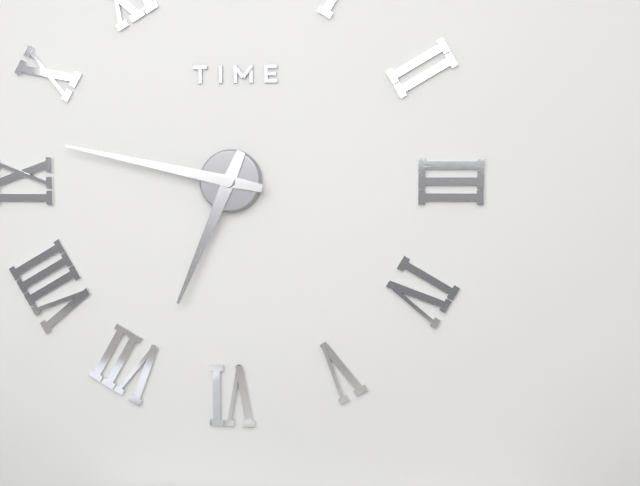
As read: 6h47
